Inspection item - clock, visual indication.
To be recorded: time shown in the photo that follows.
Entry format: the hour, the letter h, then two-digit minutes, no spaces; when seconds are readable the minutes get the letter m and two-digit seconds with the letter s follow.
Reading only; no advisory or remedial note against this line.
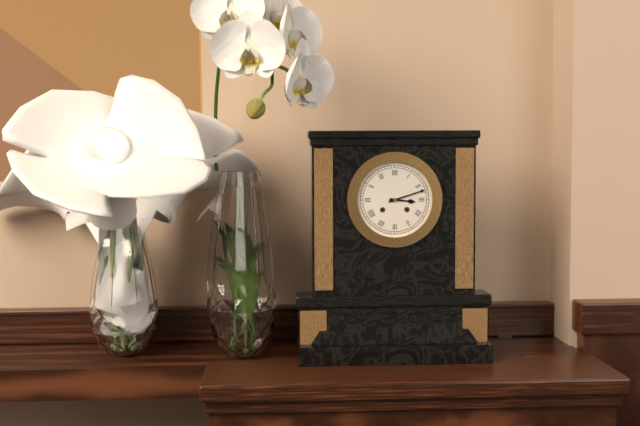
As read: 3h12
